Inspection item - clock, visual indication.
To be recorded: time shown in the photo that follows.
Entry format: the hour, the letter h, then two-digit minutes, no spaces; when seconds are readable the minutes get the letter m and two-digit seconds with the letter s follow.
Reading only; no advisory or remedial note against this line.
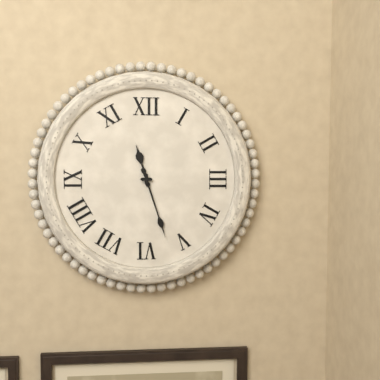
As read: 11h27
